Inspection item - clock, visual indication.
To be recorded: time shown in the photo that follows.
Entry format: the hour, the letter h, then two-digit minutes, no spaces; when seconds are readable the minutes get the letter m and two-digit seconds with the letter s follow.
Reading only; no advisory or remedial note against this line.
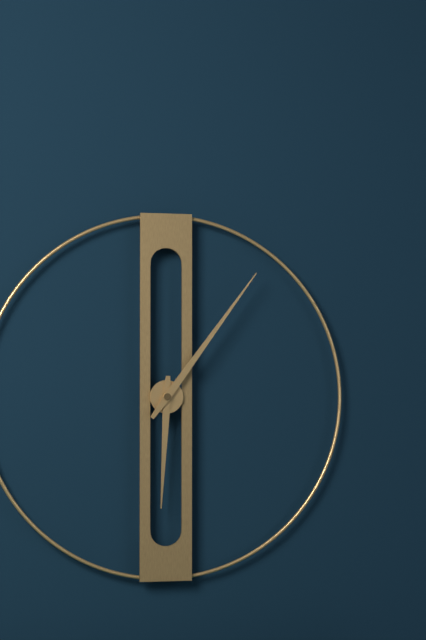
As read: 6h06
